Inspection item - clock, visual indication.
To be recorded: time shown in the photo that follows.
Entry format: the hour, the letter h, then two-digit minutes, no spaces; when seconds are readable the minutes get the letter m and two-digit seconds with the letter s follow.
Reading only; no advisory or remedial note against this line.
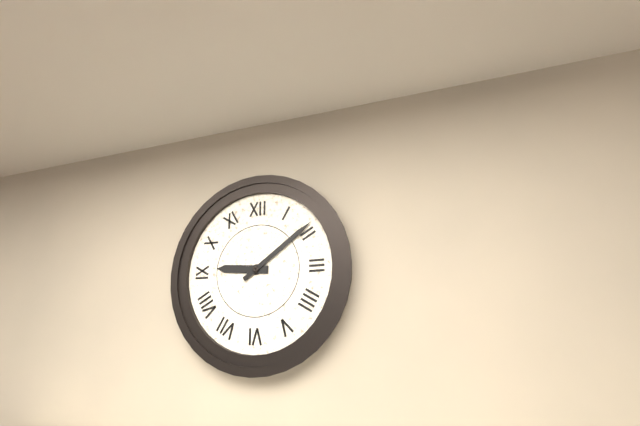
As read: 9h09
